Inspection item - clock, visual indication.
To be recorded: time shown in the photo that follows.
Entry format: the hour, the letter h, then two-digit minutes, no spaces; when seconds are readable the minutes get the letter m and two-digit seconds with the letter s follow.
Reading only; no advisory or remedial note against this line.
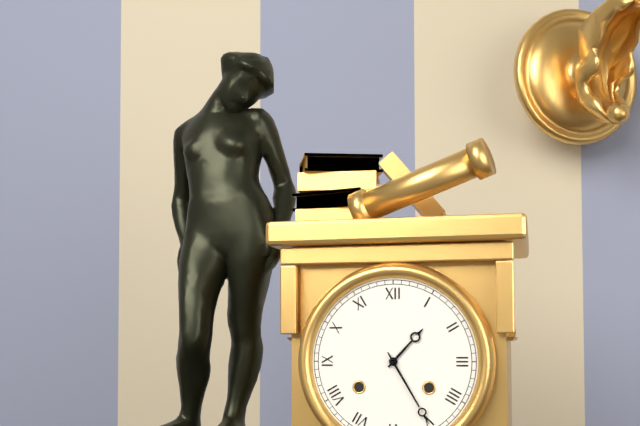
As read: 1h25
